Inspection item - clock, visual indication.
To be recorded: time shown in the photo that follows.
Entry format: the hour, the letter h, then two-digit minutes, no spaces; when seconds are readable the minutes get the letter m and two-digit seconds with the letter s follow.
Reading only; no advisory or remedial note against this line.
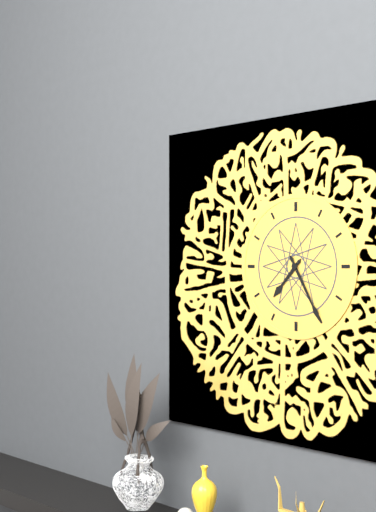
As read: 7h25
